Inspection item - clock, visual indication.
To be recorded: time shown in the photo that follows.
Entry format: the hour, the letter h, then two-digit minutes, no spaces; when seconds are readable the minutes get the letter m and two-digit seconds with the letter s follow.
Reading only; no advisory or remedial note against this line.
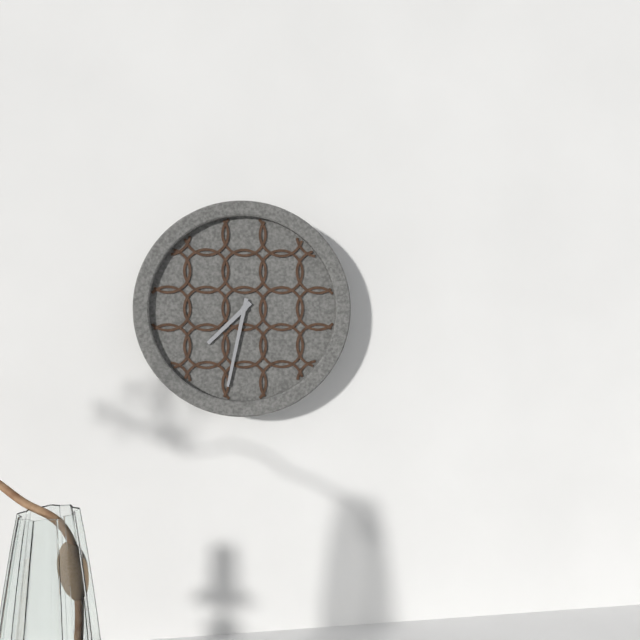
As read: 7h32
